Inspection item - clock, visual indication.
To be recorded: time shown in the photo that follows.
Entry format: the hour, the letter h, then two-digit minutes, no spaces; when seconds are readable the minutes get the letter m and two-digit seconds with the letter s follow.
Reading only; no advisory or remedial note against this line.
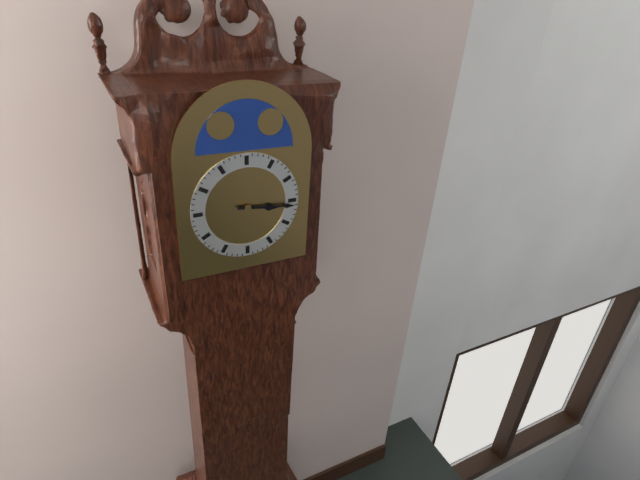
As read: 3h16
